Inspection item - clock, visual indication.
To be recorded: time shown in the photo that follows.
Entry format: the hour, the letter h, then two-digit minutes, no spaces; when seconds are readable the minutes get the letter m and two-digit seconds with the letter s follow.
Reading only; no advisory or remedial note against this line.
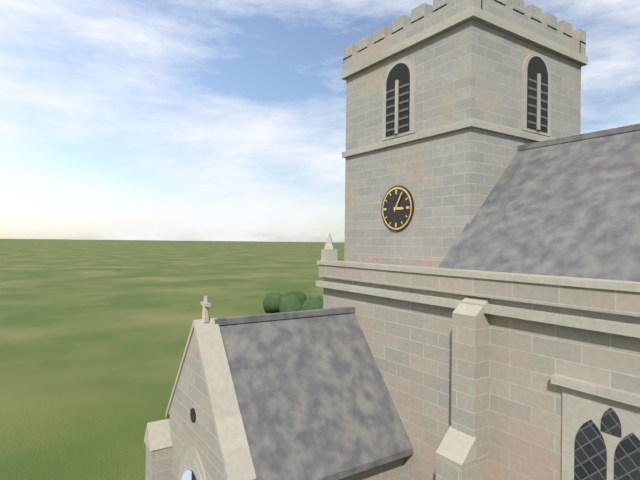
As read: 3h05
